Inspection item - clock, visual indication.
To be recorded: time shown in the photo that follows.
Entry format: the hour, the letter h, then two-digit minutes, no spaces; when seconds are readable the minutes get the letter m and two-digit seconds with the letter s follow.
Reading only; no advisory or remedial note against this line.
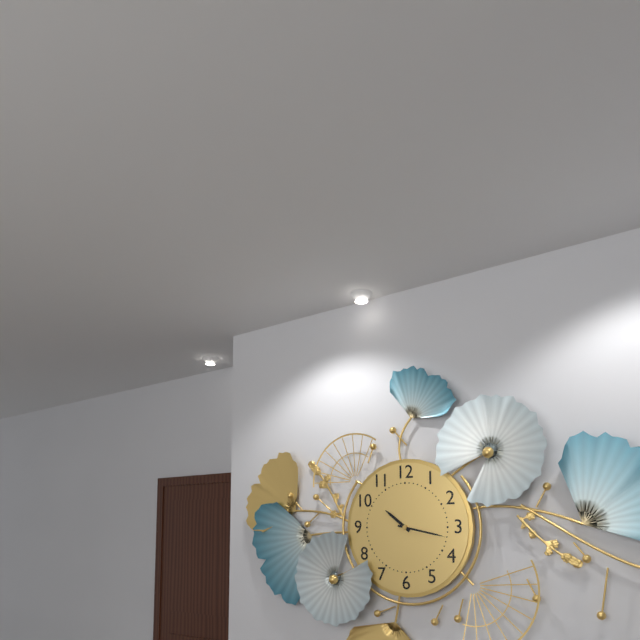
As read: 10h17
